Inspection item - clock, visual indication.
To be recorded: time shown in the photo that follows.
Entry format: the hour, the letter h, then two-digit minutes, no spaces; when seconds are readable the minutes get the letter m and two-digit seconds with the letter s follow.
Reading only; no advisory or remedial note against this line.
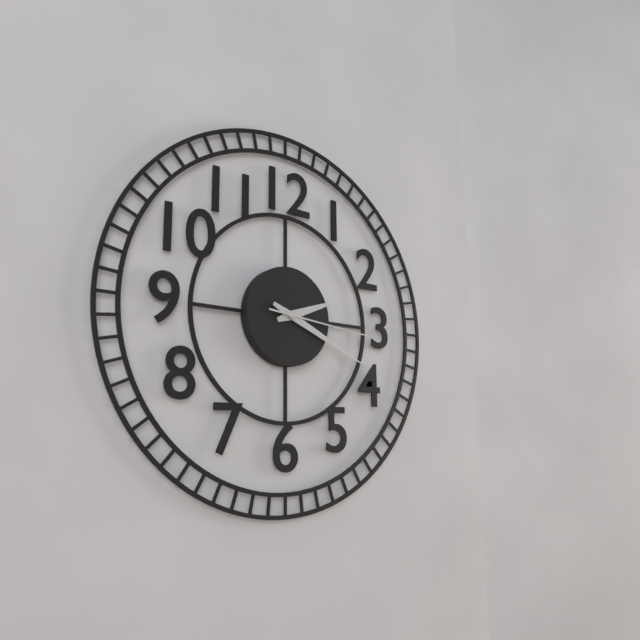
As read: 2h19m16s
